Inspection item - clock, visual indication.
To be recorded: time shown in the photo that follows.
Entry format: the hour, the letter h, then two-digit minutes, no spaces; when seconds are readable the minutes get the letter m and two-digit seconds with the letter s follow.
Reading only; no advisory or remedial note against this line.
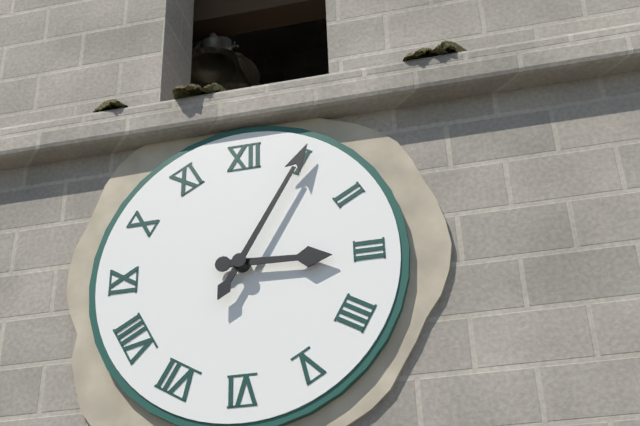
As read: 3h05
